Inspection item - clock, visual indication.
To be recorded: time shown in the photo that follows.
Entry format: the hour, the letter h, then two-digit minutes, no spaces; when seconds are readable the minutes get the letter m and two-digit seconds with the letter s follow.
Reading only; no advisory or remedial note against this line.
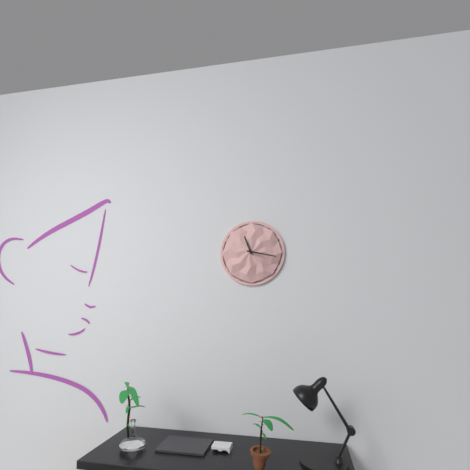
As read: 11h17
